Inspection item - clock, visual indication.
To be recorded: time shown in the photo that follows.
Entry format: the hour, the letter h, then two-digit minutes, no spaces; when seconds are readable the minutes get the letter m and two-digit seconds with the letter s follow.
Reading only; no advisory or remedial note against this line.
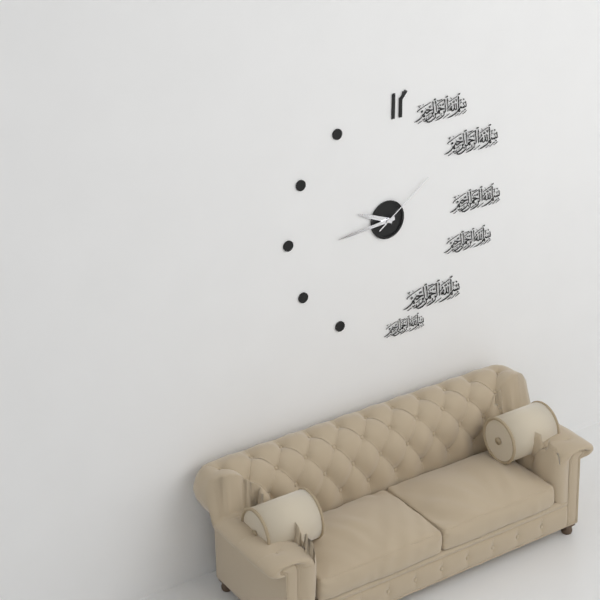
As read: 9h44m09s
